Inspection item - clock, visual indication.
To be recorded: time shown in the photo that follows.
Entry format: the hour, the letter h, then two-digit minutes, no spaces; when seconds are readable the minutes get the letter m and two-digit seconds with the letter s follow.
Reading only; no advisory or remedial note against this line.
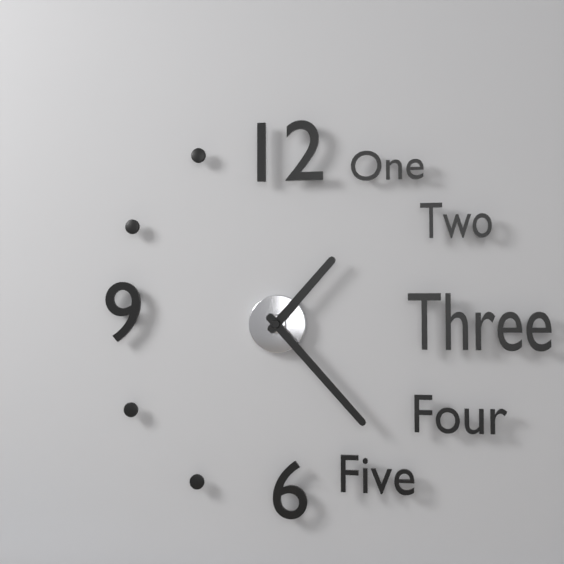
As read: 1h23
